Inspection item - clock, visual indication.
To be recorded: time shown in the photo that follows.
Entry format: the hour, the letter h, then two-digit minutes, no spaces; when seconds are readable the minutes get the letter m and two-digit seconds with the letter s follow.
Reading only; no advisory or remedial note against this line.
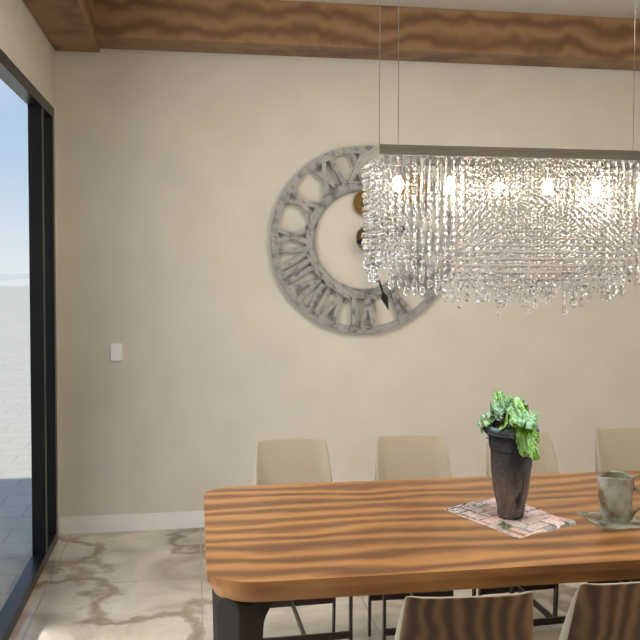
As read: 2h27
